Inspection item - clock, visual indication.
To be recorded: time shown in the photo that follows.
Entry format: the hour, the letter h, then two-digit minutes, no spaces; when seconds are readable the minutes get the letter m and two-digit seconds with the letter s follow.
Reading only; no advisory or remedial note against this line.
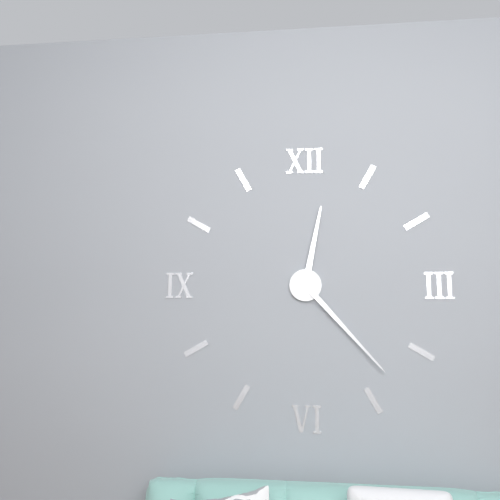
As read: 12h23
